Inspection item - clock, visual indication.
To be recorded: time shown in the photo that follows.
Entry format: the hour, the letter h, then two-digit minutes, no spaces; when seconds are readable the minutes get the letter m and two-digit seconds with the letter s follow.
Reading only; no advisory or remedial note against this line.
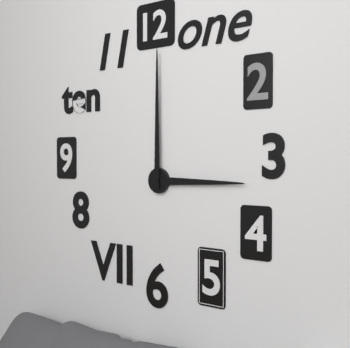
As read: 3h00
